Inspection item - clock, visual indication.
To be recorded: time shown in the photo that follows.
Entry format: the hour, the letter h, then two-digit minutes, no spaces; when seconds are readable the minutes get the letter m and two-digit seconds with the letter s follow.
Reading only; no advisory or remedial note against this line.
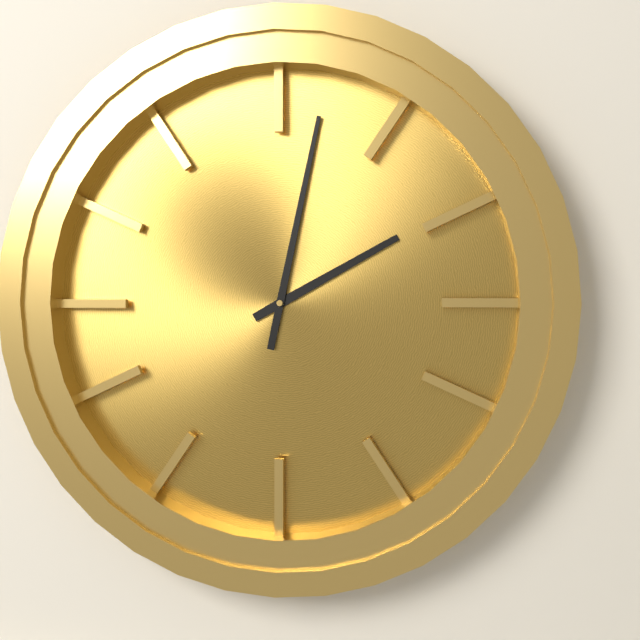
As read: 2h02
